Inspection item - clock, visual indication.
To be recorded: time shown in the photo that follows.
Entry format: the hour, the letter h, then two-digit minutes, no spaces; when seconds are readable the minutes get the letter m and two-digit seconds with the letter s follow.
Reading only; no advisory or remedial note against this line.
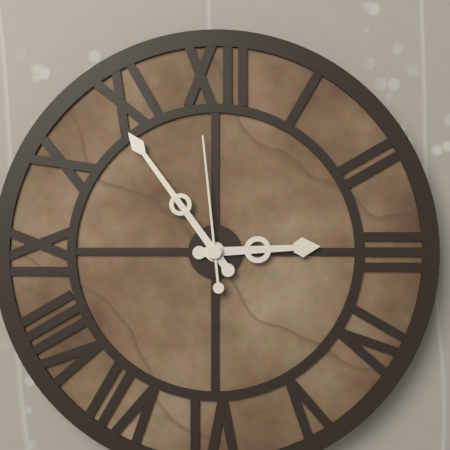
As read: 2h54m59s
